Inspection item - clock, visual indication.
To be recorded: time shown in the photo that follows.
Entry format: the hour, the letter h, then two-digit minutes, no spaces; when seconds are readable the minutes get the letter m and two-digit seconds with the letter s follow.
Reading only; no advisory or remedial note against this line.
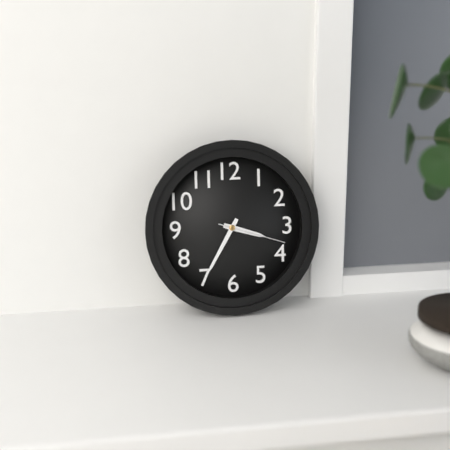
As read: 3h35m18s
